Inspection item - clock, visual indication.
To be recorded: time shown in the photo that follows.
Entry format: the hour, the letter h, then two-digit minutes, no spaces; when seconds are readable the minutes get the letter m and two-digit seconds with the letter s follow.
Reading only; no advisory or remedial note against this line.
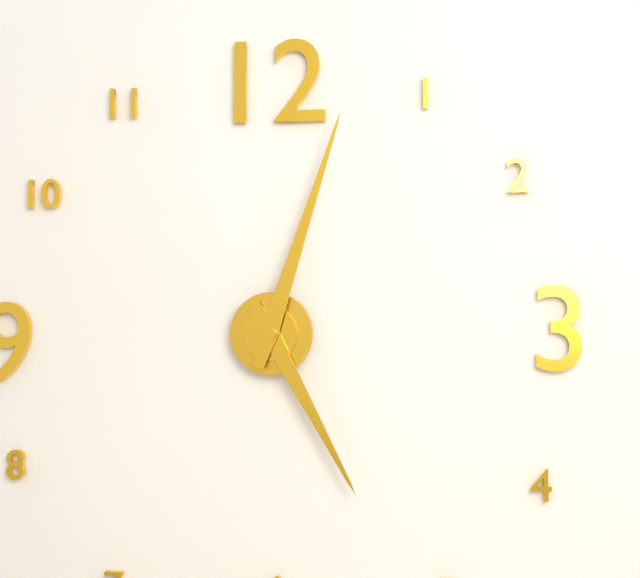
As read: 5h03
